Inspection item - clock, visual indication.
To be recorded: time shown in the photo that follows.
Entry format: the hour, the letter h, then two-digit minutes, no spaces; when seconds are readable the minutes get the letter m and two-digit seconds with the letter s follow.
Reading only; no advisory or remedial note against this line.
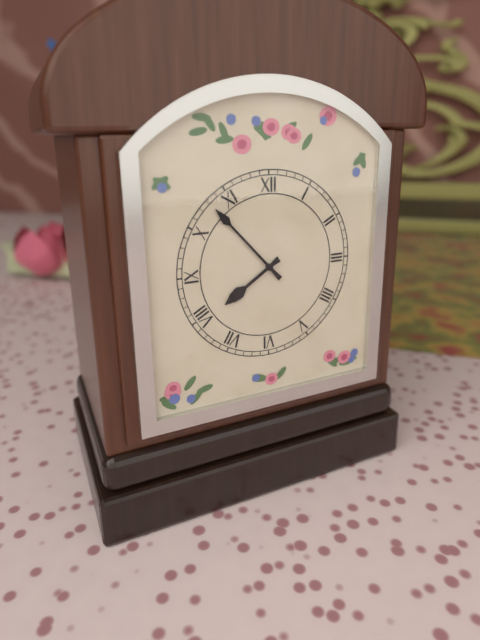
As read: 7h53
